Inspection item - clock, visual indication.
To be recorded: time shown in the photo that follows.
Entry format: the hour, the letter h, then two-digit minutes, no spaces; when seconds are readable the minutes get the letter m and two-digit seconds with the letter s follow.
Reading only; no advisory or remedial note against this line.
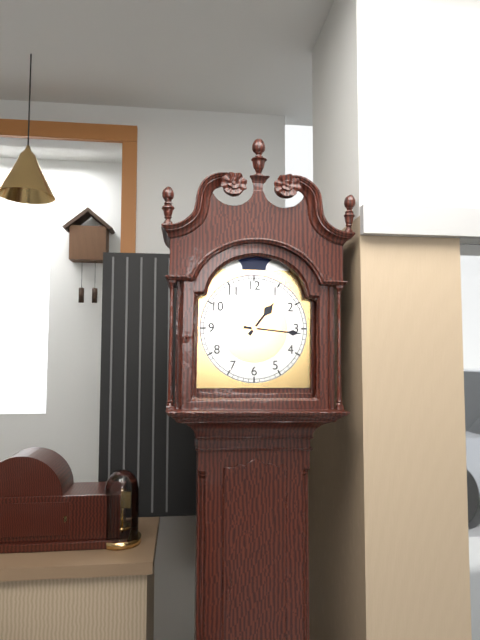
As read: 1h16
